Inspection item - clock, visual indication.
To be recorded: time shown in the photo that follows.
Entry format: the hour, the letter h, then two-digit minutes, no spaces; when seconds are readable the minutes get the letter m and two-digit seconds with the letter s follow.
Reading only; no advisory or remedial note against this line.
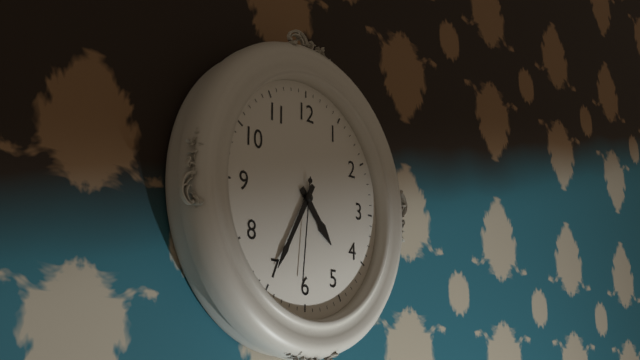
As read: 4h35m31s
